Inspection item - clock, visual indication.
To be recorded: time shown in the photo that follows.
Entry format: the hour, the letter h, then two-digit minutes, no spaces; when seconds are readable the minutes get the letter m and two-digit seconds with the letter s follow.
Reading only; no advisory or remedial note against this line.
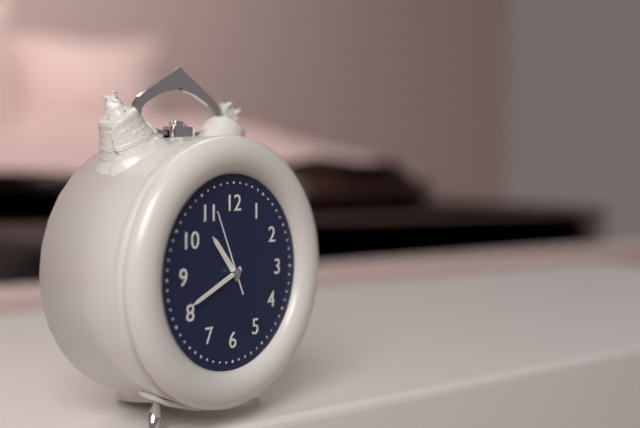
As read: 10h41m56s
